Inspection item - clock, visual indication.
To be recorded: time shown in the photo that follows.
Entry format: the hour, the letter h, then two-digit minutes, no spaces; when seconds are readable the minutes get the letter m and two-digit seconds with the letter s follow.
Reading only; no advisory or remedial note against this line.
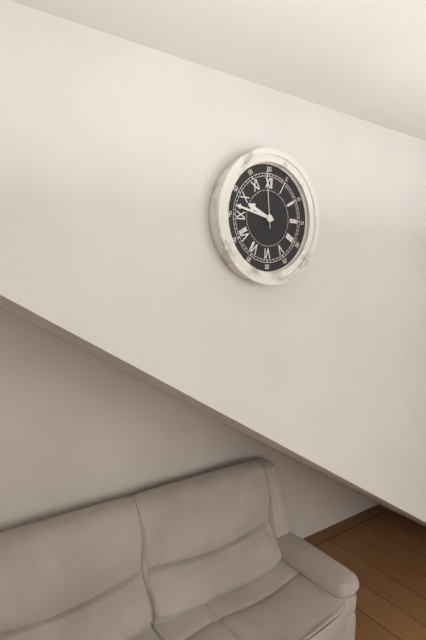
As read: 9h47m59s
